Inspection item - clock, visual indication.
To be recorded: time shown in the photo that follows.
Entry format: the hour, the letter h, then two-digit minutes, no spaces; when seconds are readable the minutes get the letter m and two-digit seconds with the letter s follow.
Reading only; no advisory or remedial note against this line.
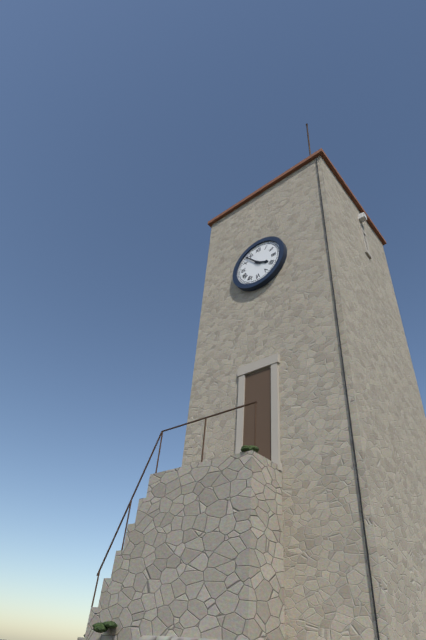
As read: 3h53
